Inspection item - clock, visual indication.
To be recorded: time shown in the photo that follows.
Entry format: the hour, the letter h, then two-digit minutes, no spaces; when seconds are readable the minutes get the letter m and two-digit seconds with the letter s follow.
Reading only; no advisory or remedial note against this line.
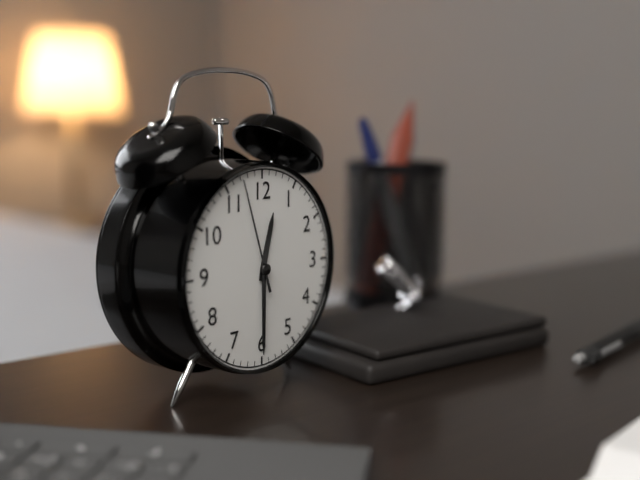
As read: 12h30m57s
